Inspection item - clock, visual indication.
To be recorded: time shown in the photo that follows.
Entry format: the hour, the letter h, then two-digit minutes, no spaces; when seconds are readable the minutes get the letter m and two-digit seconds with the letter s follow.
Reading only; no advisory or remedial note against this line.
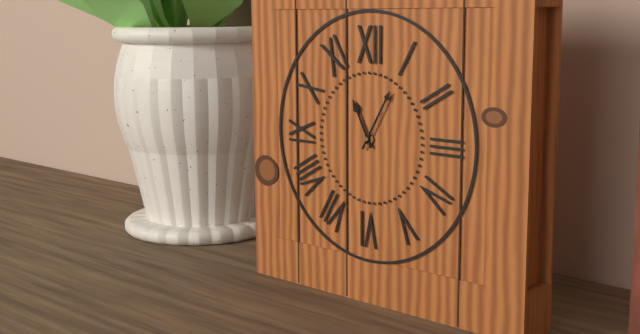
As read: 11h05
